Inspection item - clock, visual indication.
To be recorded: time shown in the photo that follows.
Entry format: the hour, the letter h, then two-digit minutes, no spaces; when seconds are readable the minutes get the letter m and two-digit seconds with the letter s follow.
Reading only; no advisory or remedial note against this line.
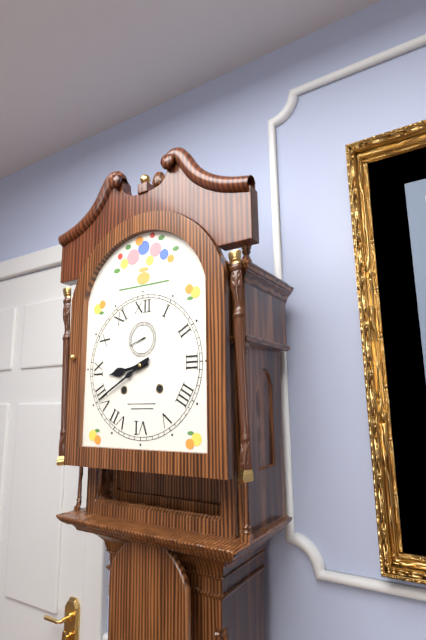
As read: 8h40
